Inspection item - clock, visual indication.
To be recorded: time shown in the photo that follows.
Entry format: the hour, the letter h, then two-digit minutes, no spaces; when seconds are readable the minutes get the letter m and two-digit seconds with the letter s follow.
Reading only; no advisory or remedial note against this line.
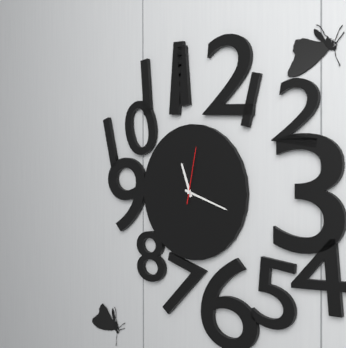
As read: 11h18m02s
